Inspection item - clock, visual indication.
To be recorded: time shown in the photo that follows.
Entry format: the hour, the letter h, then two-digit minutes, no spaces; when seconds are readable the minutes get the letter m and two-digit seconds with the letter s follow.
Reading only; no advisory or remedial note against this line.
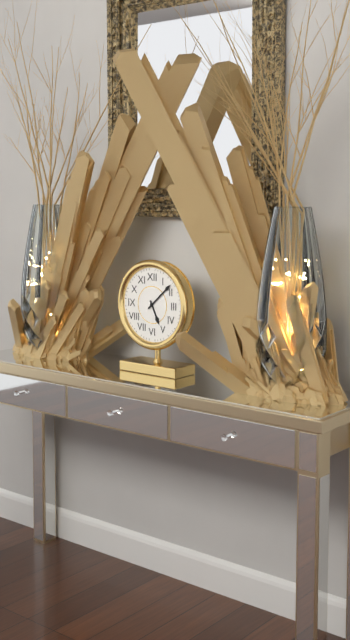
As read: 5h08
